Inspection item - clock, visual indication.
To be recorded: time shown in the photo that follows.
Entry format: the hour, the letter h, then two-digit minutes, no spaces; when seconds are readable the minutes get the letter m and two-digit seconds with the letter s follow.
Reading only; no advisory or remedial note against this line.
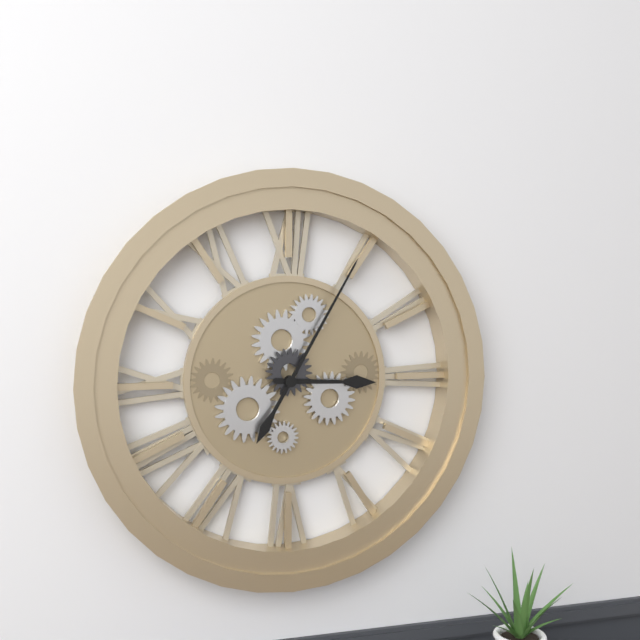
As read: 3h05
